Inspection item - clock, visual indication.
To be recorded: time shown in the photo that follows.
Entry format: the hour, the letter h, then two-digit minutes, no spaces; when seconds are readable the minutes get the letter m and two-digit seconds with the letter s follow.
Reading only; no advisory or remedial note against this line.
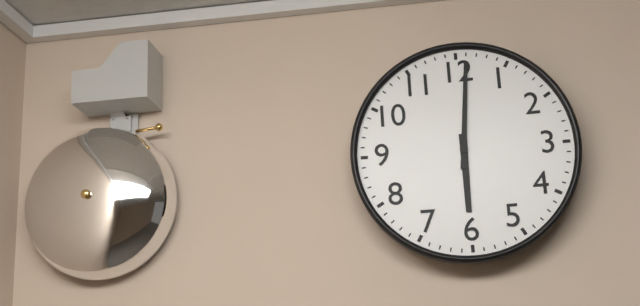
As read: 6h01
